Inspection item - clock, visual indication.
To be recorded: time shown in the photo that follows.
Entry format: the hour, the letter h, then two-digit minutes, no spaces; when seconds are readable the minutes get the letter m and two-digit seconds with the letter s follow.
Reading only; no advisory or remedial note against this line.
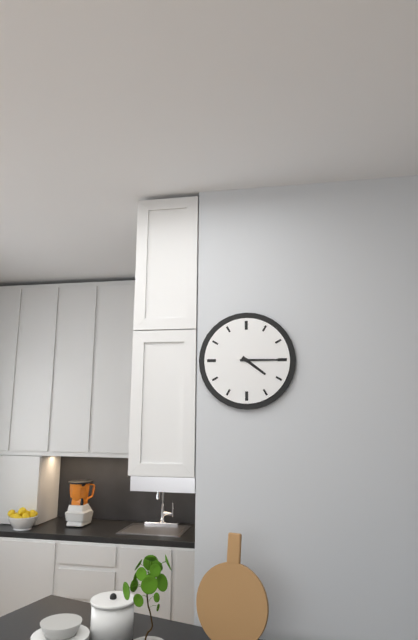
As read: 4h15
